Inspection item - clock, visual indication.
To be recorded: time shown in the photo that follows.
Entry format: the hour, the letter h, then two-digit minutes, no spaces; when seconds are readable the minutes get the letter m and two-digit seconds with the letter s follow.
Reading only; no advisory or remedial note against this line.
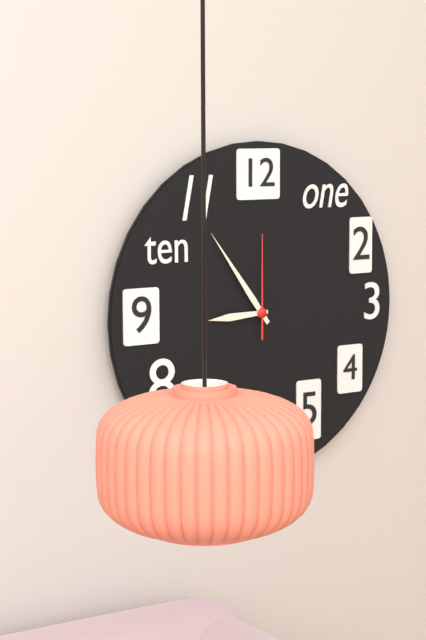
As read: 8h54m00s
